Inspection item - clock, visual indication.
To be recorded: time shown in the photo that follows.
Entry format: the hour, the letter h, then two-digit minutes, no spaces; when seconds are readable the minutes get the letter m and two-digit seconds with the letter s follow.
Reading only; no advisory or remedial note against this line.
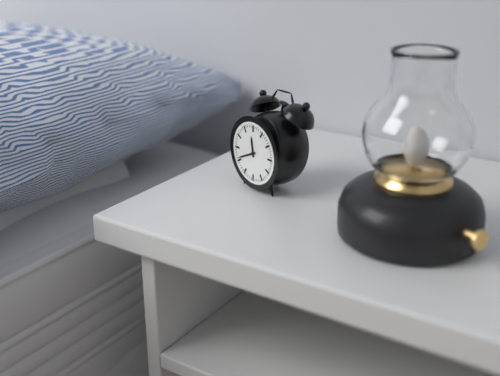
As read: 11h41
